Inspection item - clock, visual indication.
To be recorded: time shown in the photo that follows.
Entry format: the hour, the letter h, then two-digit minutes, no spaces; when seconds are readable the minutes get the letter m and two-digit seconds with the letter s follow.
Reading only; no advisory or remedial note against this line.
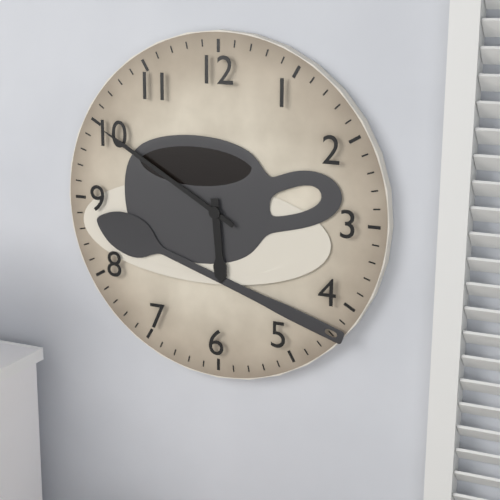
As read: 5h50
